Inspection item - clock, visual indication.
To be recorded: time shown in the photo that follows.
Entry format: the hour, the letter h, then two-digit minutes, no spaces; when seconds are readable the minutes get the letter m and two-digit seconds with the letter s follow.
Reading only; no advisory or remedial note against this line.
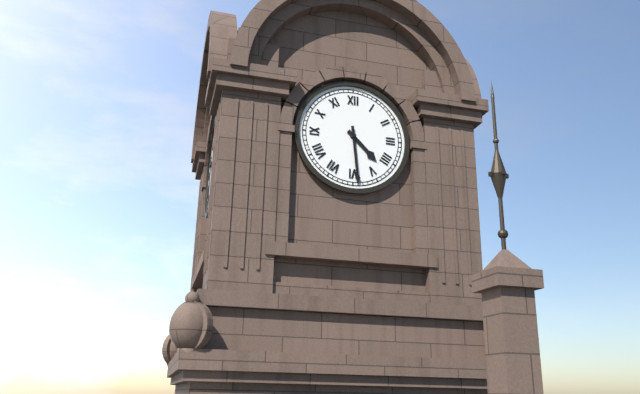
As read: 4h29
